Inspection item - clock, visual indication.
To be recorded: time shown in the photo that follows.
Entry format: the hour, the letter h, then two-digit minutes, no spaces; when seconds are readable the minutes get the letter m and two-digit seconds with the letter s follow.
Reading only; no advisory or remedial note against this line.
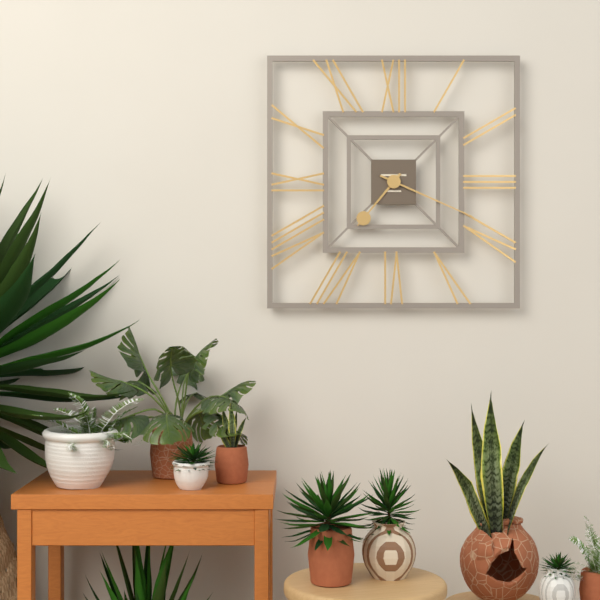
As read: 7h19
